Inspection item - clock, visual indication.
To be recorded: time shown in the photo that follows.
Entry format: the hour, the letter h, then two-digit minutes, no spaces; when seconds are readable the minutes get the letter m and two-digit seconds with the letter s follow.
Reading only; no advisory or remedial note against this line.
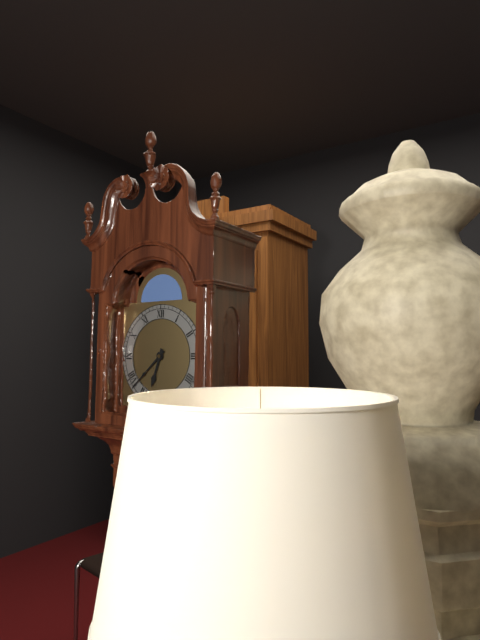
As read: 6h38
